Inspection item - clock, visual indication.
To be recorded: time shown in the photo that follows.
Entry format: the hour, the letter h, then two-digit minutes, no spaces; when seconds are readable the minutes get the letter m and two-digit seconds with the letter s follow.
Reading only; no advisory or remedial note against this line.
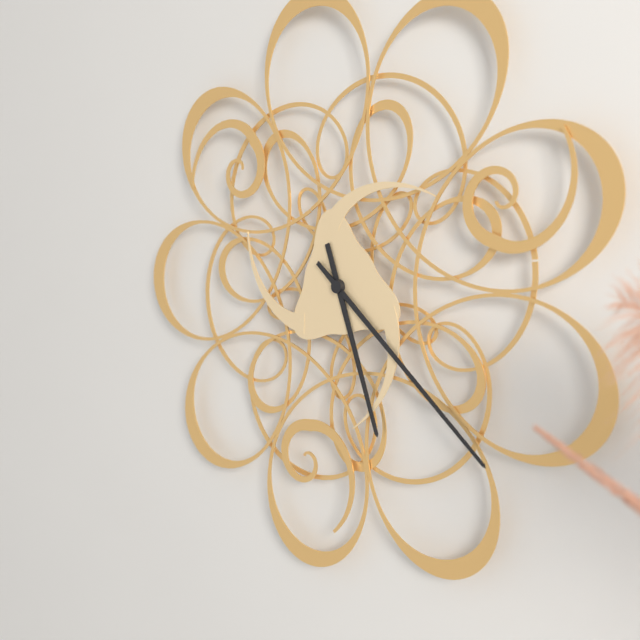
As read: 5h22
